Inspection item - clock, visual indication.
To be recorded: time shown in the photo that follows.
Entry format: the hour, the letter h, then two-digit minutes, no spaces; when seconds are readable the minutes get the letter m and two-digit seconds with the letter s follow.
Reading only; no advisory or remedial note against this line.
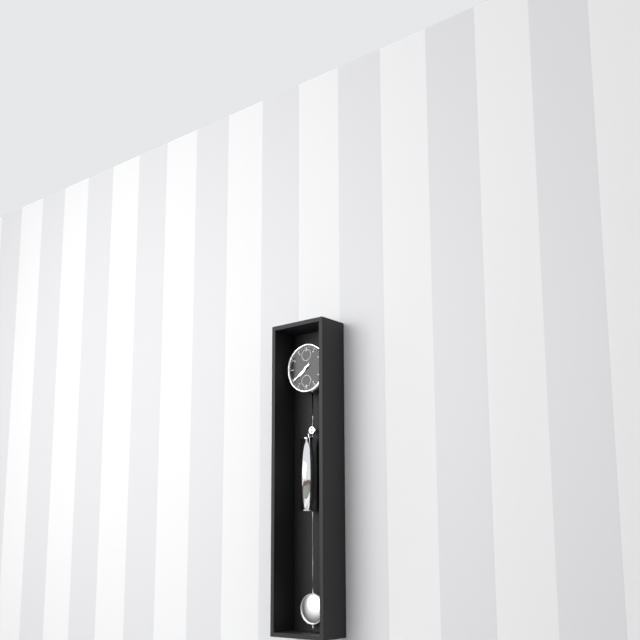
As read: 7h39
